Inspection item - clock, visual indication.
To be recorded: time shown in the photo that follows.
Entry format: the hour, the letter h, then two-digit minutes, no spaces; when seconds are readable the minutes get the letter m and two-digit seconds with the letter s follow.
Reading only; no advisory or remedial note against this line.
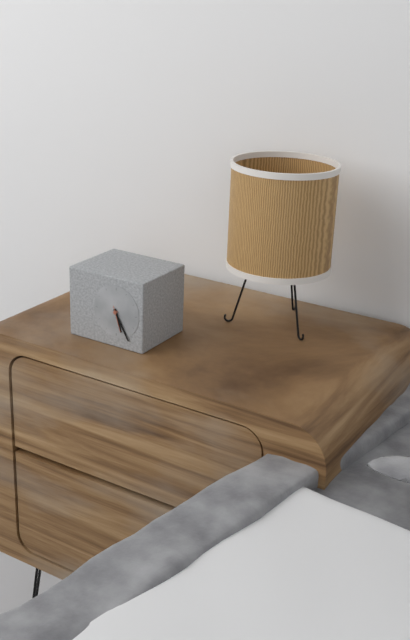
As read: 5h25
